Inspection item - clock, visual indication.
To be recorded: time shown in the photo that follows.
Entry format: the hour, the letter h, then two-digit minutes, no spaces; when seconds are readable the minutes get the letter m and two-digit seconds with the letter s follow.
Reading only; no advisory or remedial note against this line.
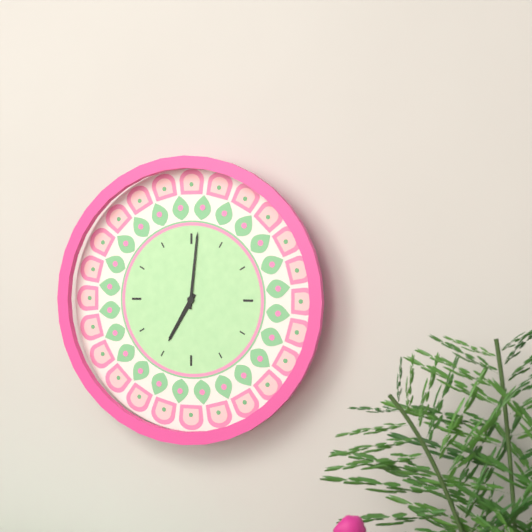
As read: 7h01
